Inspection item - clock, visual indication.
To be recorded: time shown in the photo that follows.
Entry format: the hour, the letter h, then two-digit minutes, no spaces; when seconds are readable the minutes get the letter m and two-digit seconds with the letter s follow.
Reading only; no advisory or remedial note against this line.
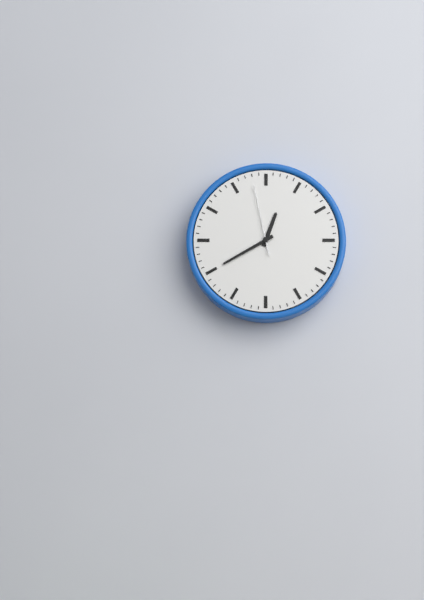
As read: 12h40m58s
